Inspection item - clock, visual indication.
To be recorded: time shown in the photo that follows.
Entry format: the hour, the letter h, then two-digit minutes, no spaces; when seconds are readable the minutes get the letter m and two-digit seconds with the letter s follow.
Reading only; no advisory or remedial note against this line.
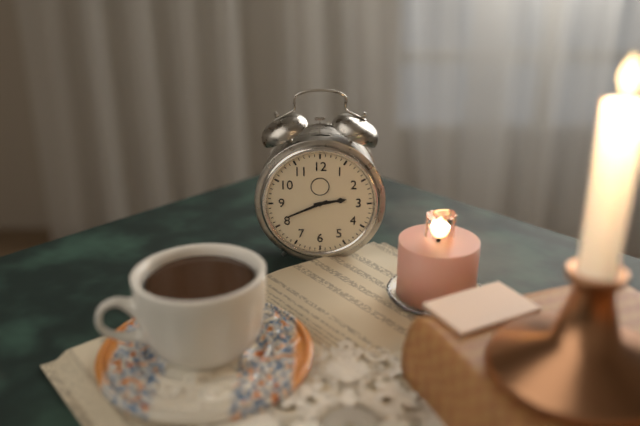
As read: 2h41
